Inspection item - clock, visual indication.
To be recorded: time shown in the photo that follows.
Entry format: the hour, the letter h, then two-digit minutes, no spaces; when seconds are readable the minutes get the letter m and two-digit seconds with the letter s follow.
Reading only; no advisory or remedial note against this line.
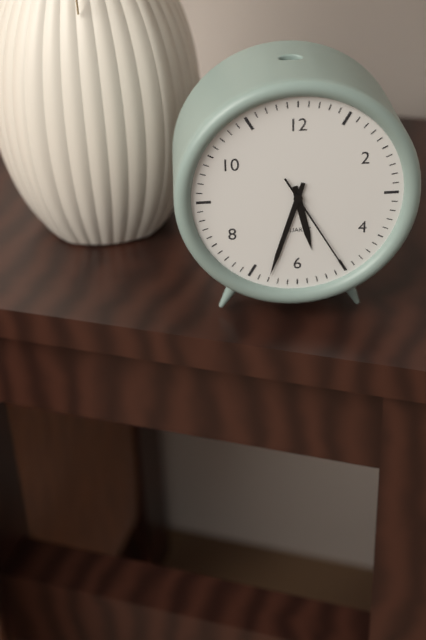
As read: 5h33m25s
